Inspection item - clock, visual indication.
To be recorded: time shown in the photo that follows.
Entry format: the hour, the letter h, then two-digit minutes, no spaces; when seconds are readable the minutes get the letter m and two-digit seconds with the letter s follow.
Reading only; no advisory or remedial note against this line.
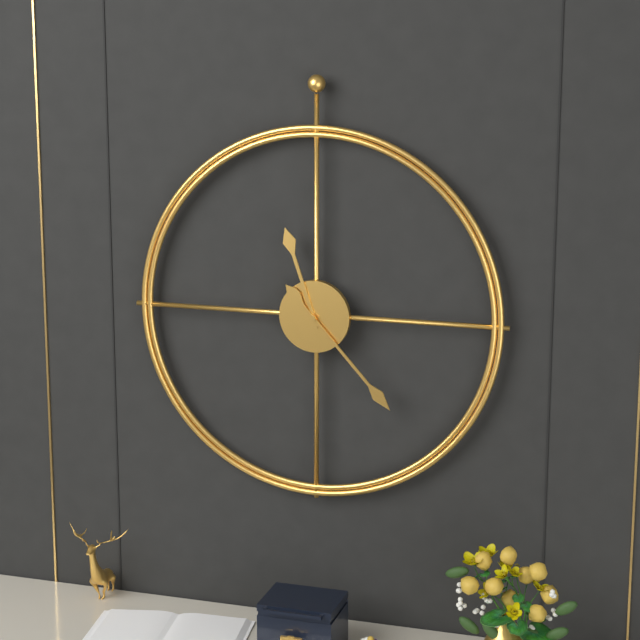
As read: 11h23
